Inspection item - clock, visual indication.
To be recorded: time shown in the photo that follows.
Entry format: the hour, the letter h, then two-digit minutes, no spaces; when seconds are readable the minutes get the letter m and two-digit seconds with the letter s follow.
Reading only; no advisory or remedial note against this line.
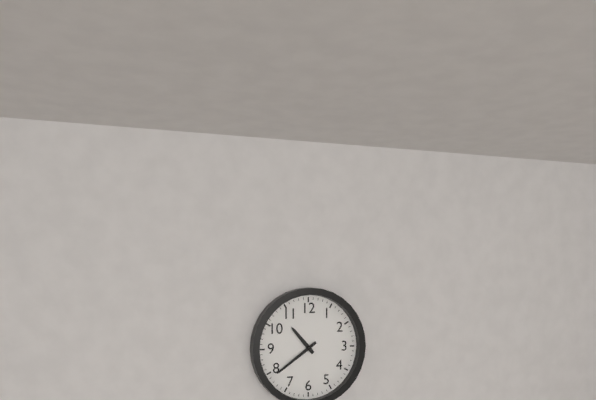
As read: 10h39
